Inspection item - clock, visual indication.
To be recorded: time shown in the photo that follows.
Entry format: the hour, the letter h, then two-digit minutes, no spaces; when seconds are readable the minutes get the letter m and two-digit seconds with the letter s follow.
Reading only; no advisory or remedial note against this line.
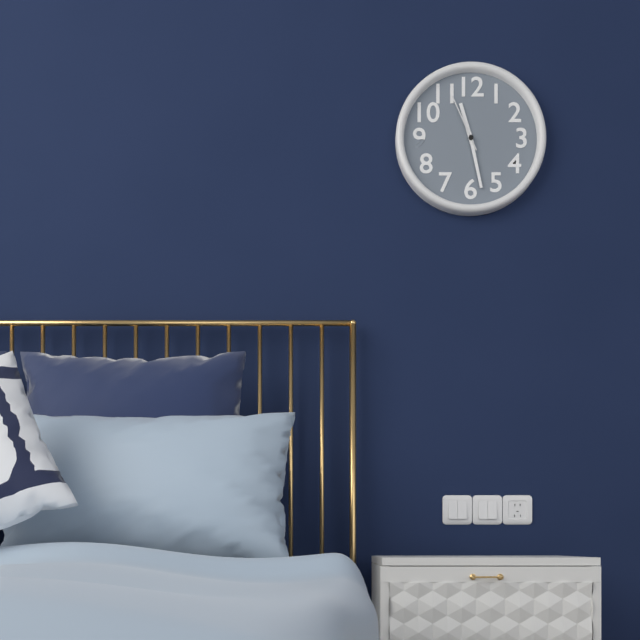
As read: 11h28m56s
